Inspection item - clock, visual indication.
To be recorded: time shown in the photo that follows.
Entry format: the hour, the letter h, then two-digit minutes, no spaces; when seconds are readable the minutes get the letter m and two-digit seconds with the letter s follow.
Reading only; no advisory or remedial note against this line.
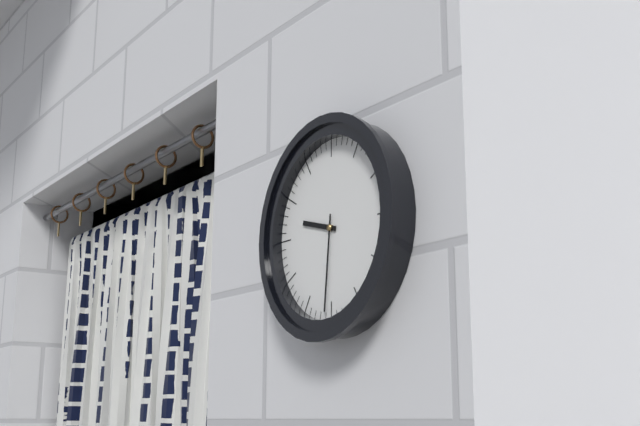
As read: 9h31
